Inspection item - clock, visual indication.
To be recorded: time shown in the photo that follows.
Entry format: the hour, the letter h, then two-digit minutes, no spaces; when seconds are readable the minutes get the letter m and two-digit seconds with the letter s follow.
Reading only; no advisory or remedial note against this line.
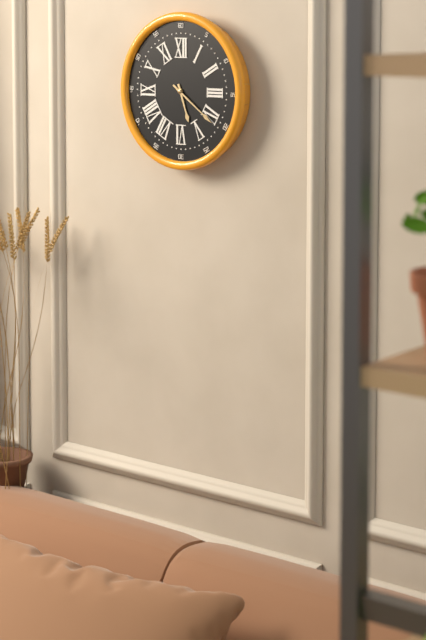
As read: 5h21
